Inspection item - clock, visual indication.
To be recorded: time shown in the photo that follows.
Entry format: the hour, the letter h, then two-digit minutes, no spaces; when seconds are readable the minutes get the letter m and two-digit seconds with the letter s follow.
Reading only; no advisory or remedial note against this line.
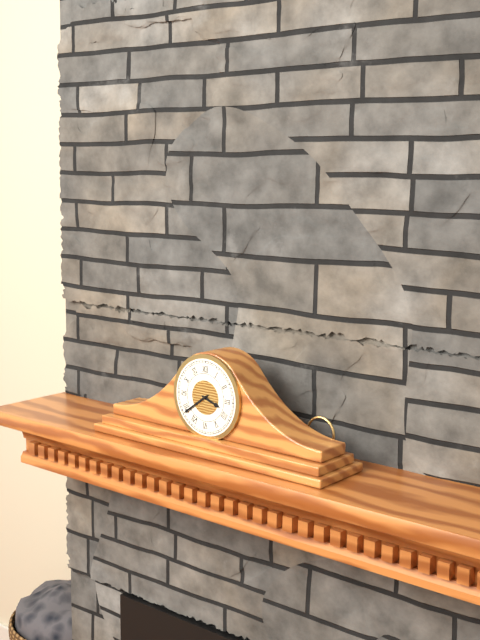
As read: 3h39
